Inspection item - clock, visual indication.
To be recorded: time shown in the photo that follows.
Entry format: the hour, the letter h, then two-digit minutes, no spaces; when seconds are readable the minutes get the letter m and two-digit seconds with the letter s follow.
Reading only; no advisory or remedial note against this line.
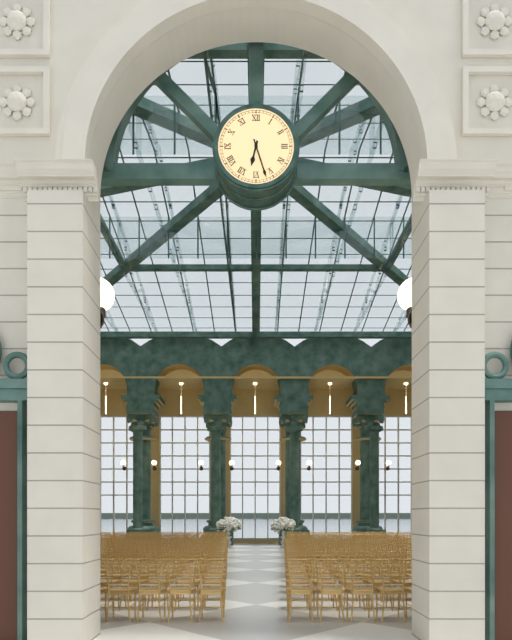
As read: 6h27
